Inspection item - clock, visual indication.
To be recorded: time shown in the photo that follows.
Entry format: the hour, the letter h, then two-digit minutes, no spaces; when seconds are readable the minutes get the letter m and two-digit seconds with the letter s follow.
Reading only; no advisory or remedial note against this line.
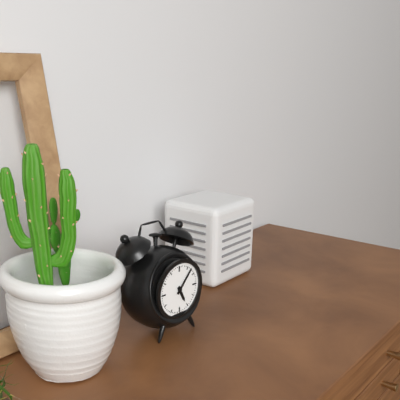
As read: 5h07
